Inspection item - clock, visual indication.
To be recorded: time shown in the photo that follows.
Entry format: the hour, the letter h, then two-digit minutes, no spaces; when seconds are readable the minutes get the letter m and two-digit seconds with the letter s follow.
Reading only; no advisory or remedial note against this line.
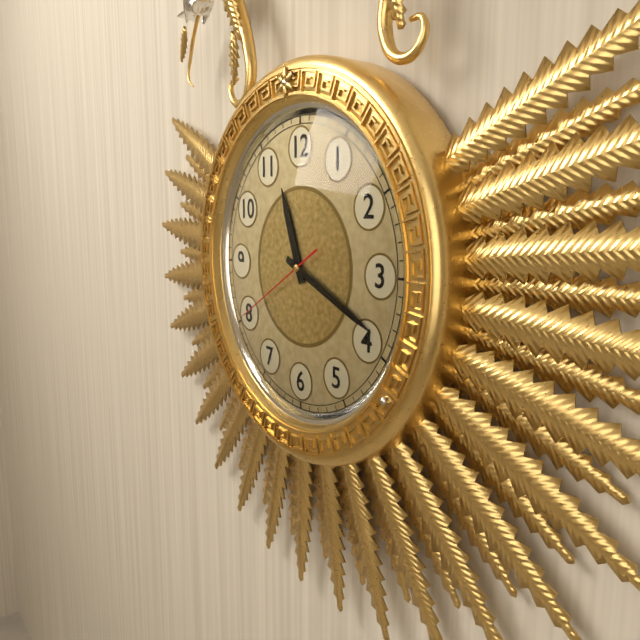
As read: 11h19m40s
